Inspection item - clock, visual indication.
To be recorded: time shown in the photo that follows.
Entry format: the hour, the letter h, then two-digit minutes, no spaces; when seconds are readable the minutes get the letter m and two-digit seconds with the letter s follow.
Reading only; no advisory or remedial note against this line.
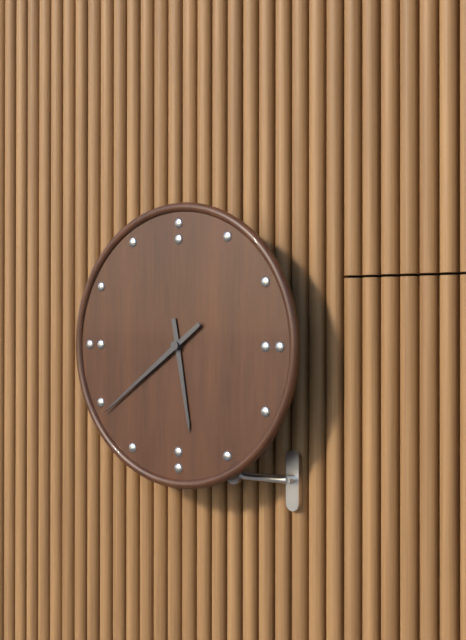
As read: 5h39
